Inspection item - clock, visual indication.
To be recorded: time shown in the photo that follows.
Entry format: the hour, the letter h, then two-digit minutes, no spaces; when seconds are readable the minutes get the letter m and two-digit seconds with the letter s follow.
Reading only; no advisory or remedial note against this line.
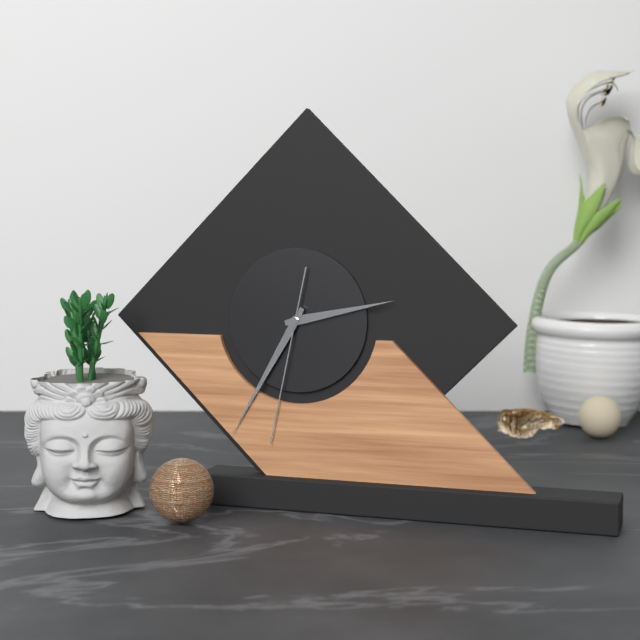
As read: 2h35m32s
